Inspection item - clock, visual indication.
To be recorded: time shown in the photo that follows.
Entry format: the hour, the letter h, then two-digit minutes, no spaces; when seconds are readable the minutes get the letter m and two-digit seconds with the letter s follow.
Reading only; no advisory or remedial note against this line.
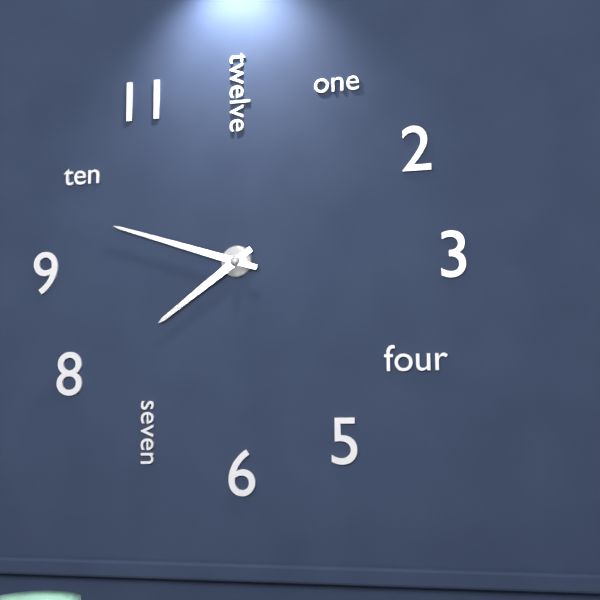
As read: 7h48
